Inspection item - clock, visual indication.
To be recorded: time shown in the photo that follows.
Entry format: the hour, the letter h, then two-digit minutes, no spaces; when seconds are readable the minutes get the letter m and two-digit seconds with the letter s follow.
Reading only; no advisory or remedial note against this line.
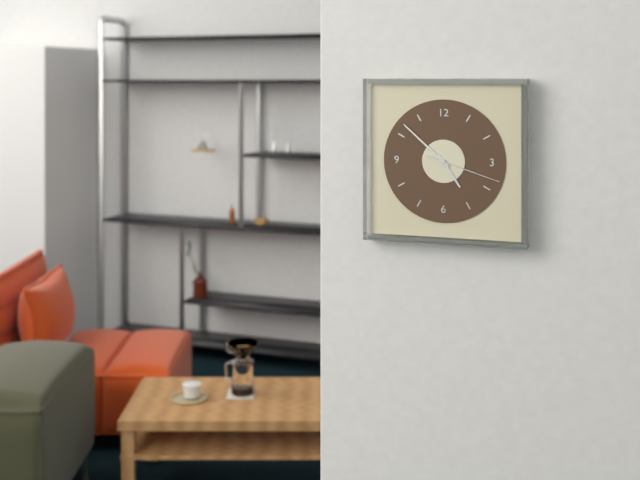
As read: 4h52m18s
